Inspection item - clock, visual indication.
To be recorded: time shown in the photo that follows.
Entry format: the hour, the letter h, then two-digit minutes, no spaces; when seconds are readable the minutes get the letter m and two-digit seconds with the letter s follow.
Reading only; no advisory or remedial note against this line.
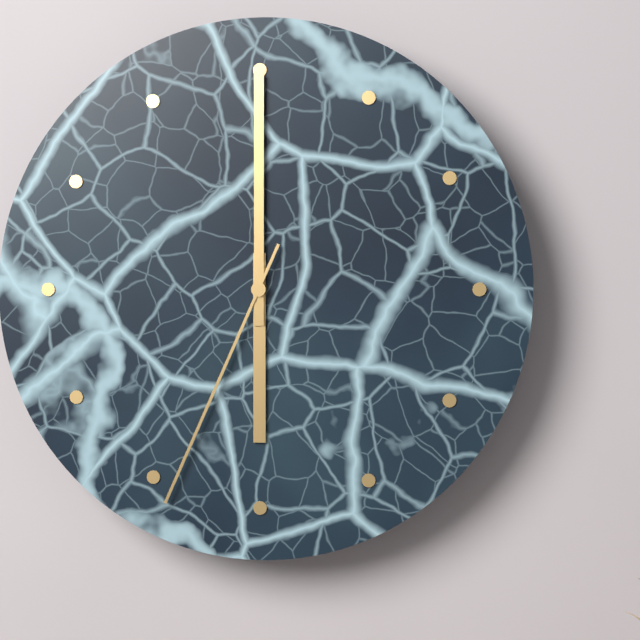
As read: 6h00m34s
